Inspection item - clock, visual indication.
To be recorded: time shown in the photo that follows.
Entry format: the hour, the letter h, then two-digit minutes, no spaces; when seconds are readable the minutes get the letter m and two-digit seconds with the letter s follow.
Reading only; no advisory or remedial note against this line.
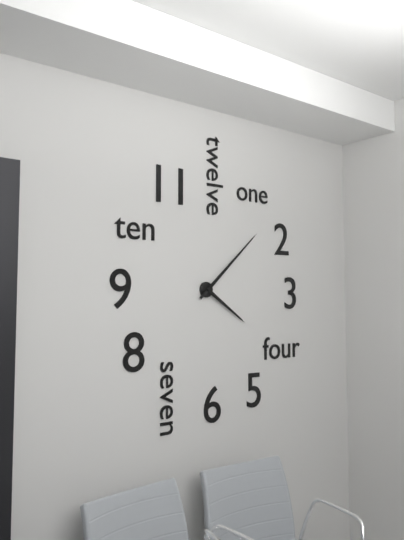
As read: 4h08
